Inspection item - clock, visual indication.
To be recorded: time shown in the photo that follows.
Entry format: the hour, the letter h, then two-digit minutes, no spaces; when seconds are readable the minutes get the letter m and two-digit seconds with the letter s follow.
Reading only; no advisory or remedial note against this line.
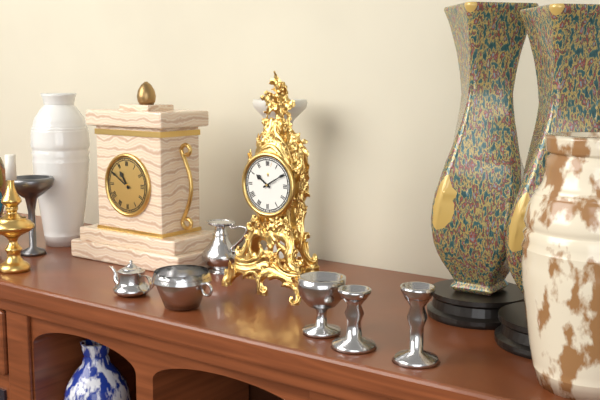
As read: 10h10
